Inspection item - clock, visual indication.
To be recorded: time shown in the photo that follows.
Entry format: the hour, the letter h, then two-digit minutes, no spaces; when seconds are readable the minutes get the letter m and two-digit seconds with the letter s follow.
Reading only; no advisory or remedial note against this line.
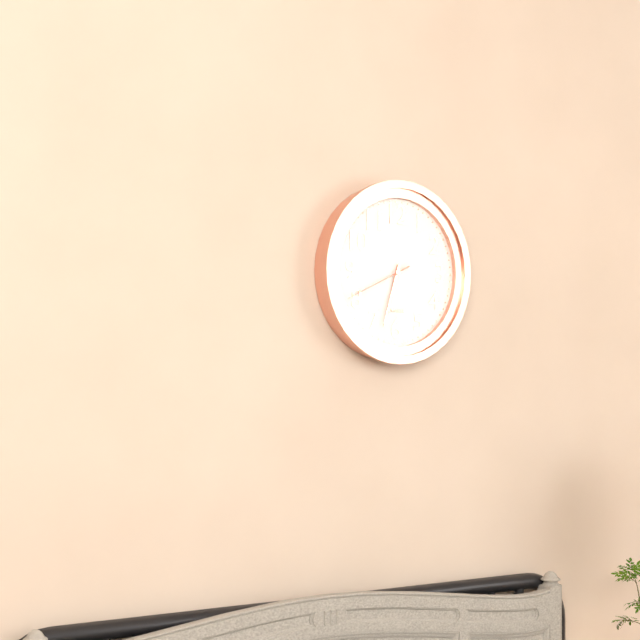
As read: 6h33m41s
